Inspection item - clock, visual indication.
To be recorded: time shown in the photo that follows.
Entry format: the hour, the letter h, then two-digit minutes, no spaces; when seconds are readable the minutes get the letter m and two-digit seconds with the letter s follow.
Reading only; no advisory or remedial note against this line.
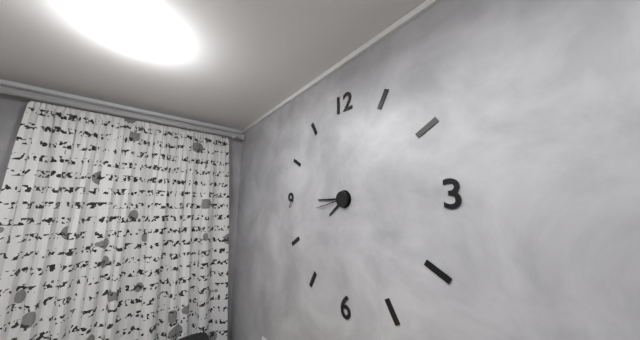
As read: 7h45
